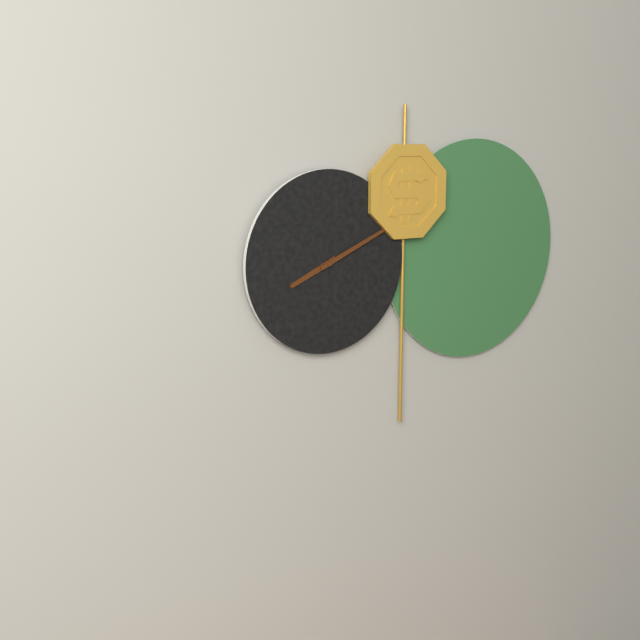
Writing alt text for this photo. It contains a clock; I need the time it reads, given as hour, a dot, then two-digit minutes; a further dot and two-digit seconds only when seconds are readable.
8.11
